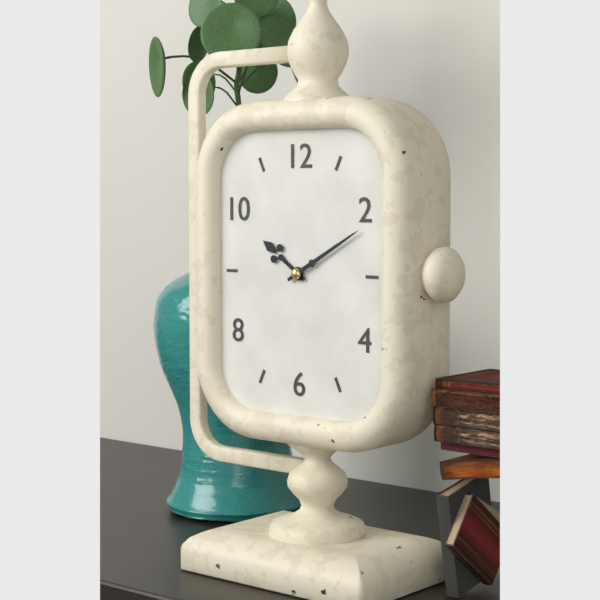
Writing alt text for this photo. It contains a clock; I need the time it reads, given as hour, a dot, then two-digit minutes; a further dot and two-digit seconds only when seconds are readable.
10.10
